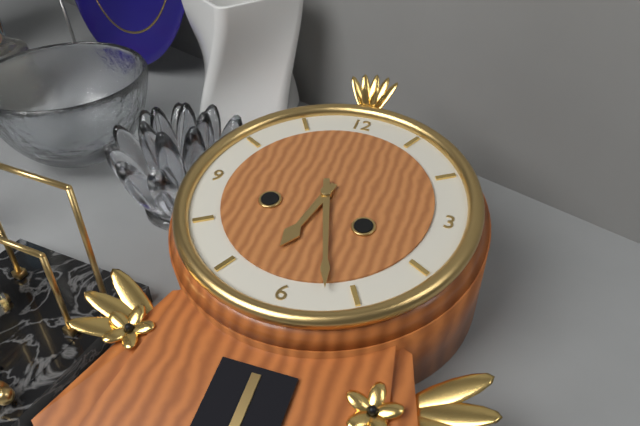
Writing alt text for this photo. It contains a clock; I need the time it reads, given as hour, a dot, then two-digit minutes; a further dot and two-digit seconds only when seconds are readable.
6.27
